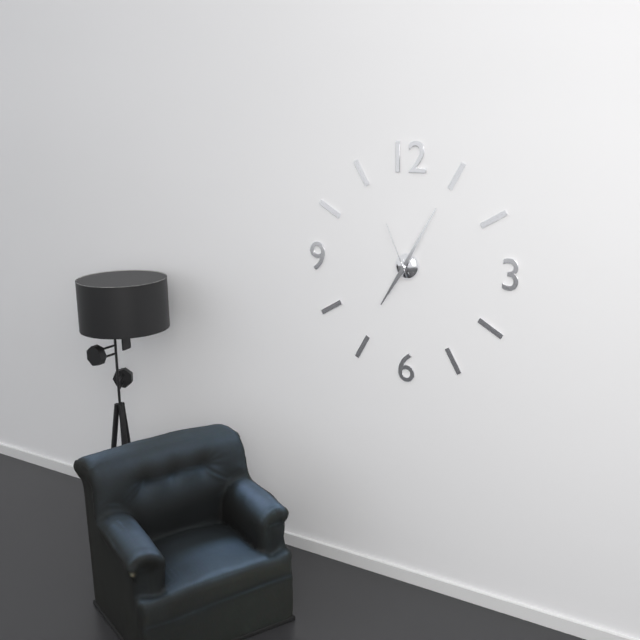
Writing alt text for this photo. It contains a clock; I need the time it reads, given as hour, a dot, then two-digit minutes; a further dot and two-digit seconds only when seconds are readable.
7.05.56
